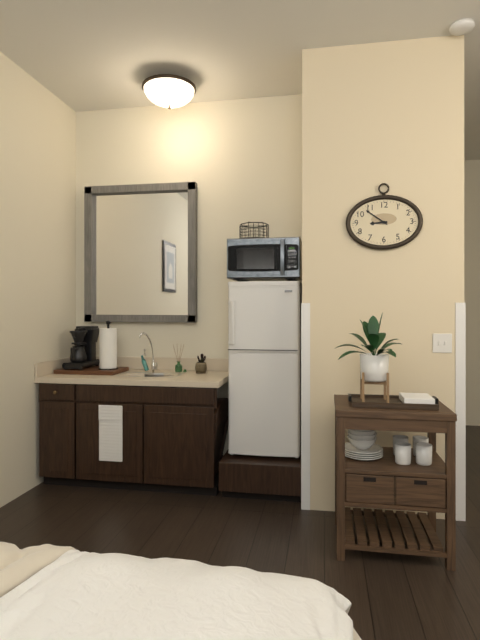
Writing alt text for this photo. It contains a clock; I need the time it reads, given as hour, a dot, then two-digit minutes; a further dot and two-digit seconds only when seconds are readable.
8.51
